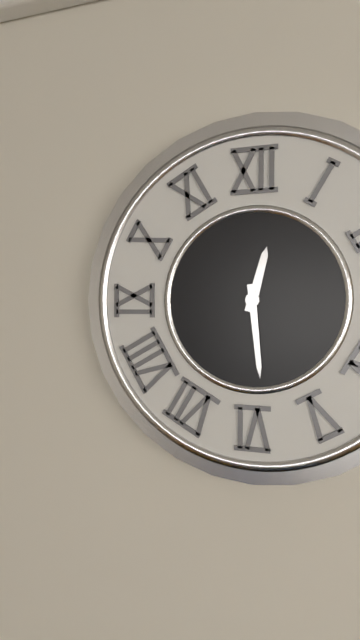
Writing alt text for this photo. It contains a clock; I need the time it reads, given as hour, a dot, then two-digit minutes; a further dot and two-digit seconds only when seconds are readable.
12.29
